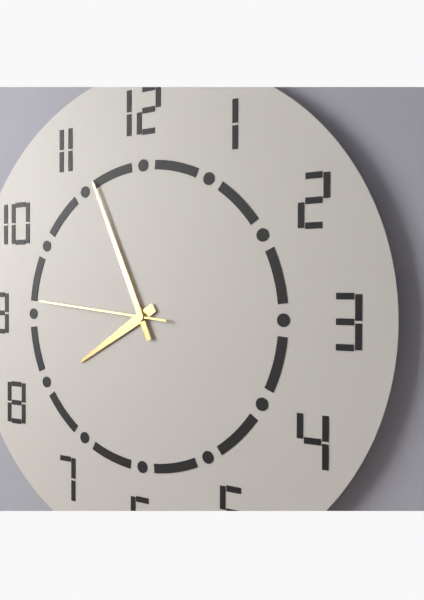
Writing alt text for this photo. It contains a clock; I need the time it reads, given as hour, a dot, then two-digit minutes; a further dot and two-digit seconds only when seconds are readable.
7.56.46
